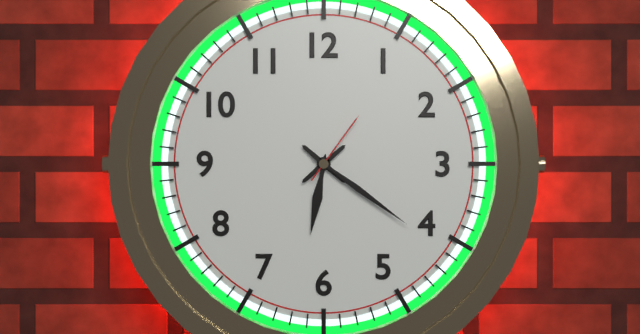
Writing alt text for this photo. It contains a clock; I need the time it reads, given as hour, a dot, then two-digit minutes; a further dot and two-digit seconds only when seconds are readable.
6.21.06
